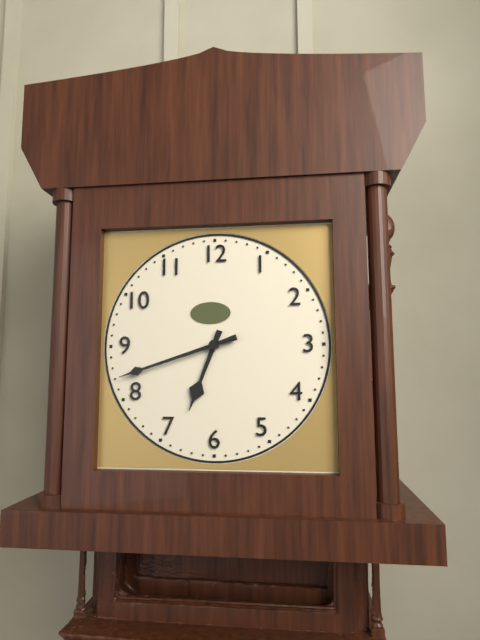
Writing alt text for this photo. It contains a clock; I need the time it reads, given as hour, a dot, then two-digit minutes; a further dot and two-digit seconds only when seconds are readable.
6.42
